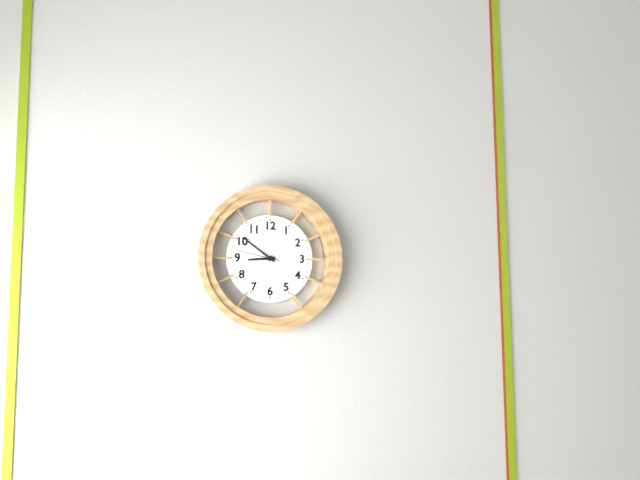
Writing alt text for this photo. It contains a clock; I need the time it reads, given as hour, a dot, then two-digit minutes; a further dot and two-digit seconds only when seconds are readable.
8.51
